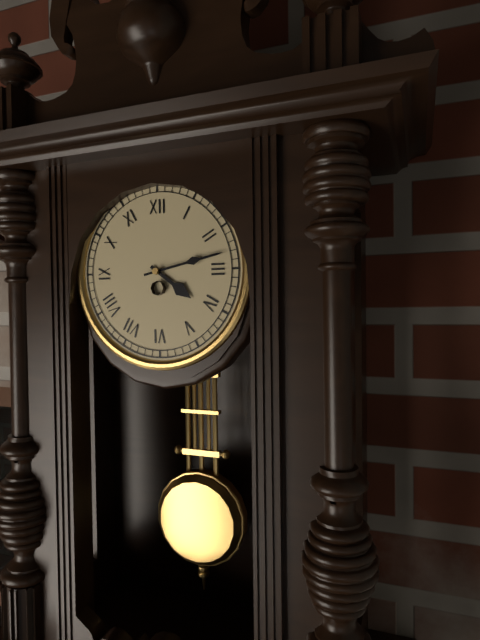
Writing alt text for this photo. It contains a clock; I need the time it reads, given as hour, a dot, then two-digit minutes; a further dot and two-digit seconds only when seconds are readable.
4.13
